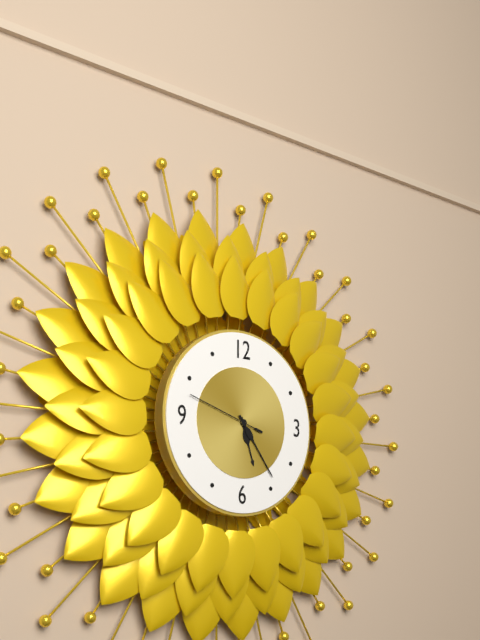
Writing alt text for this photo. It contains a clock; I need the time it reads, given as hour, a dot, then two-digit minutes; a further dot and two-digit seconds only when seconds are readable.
5.24.48
